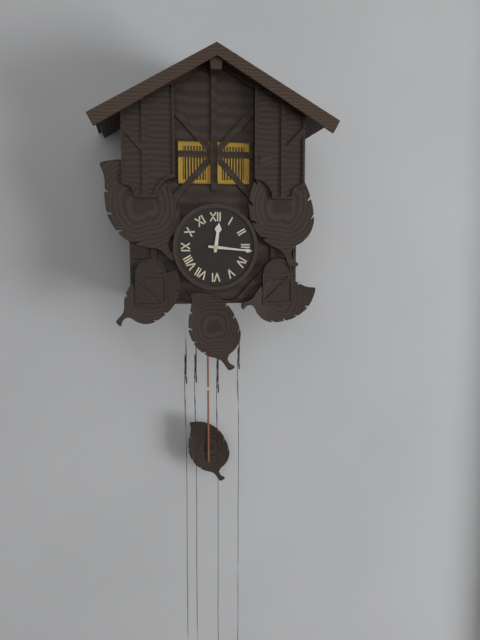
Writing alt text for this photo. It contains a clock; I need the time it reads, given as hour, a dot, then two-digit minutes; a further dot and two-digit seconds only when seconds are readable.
12.16
